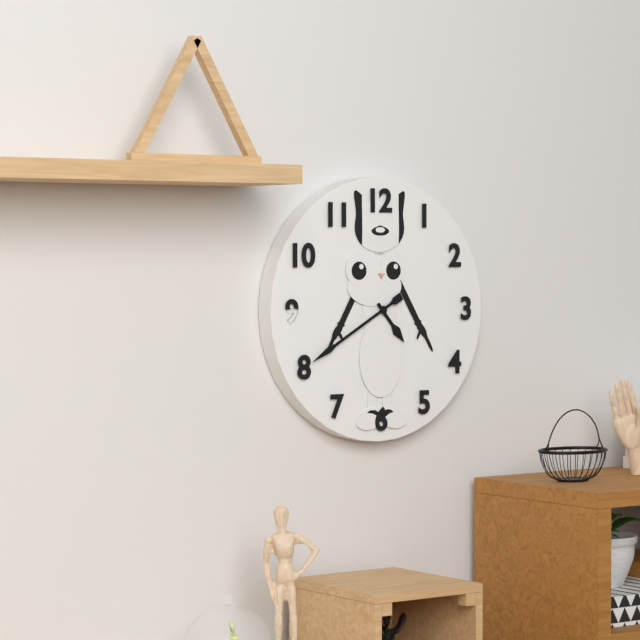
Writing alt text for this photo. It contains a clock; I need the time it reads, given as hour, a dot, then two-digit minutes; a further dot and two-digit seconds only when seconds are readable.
4.40
